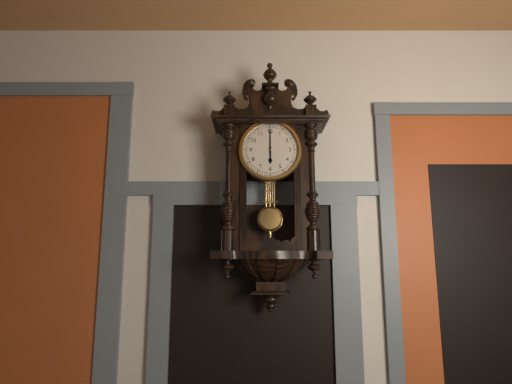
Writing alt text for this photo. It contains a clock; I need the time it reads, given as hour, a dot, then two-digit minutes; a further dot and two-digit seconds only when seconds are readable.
6.00
